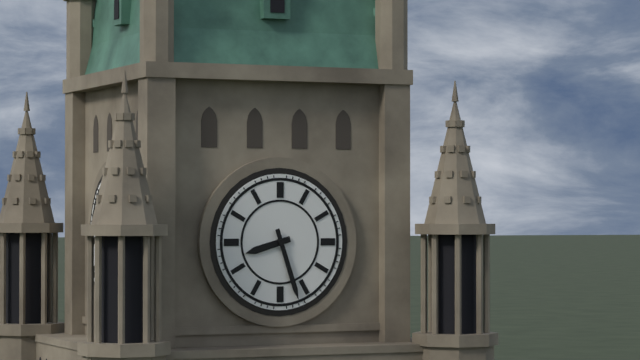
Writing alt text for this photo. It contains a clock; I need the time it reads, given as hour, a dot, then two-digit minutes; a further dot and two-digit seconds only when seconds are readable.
8.27
